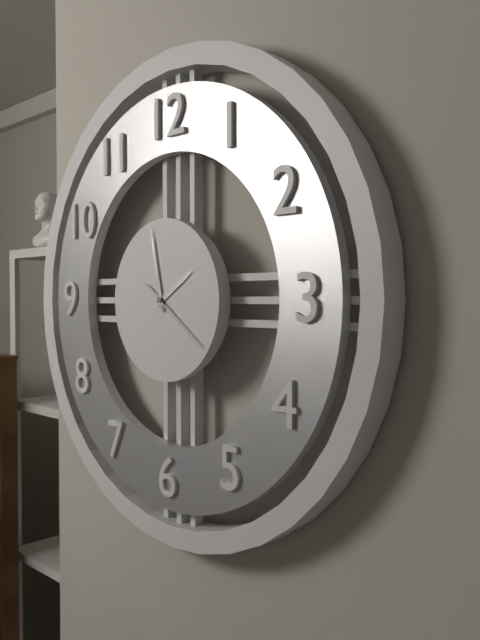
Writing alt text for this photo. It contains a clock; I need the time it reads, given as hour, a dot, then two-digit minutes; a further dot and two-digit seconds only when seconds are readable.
1.58.21
